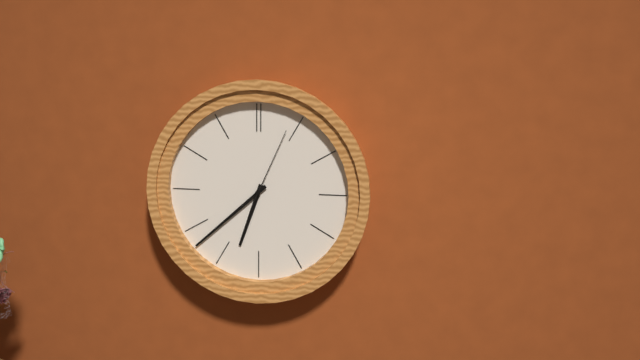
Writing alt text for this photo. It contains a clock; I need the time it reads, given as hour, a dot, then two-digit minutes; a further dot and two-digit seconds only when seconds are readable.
6.38.04
